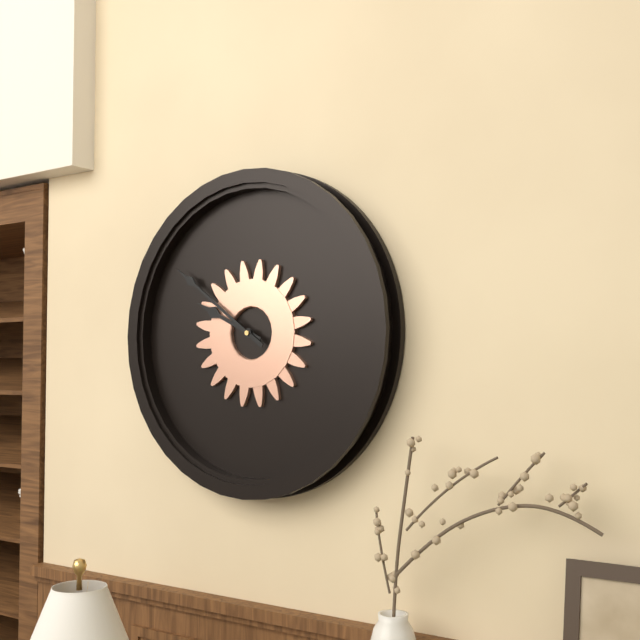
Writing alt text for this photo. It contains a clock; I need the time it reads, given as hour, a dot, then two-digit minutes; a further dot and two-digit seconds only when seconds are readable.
9.51
